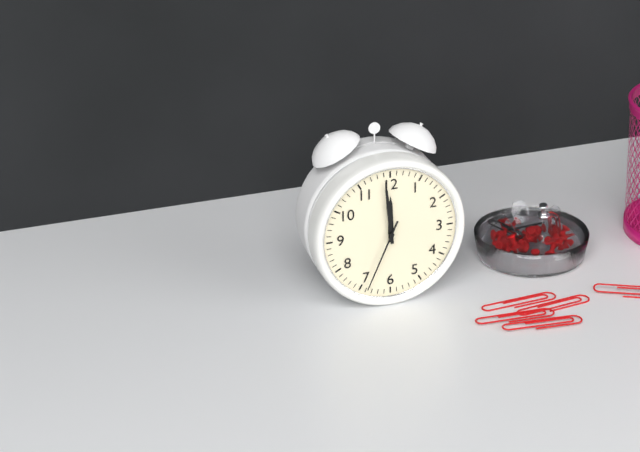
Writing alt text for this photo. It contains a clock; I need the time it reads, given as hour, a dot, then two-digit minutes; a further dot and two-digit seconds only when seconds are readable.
11.59.34
